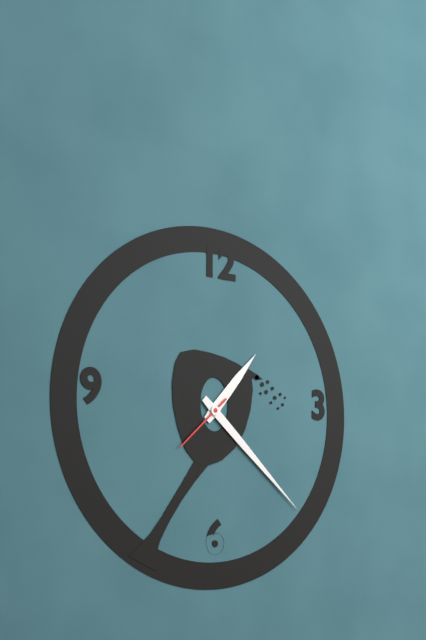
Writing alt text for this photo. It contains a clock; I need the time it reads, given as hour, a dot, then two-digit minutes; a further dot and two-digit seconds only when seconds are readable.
1.22.38
